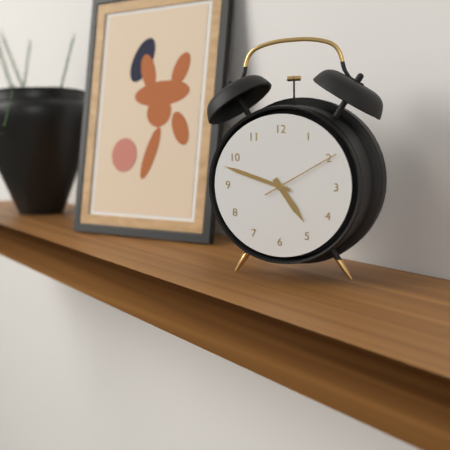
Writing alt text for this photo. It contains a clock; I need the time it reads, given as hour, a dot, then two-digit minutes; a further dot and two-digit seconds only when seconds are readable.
4.48.10
